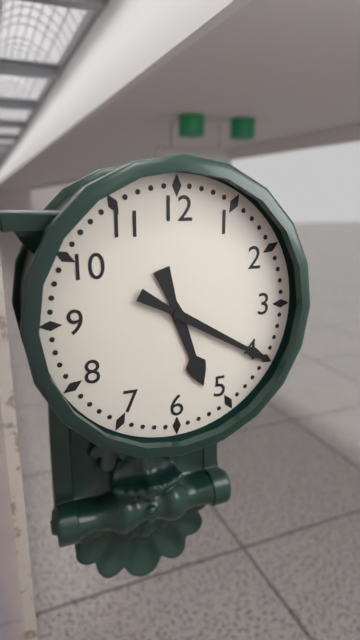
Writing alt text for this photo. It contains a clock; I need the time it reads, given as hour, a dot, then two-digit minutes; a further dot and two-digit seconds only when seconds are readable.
5.20
